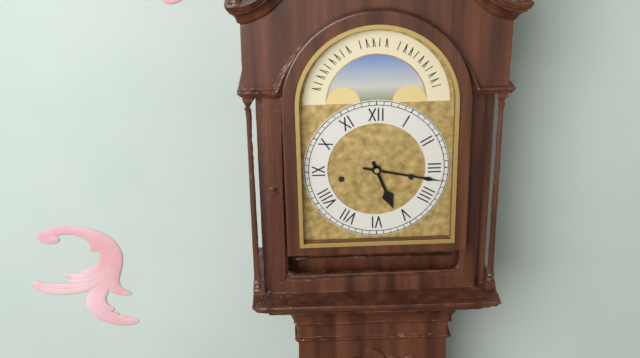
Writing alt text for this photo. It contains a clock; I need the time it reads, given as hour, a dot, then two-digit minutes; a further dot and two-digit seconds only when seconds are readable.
5.17
